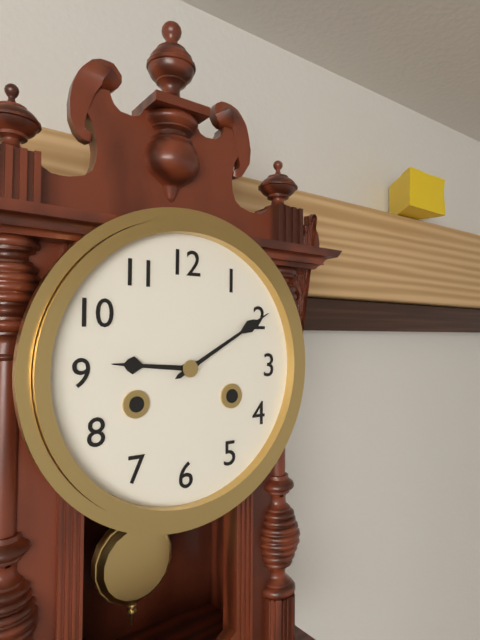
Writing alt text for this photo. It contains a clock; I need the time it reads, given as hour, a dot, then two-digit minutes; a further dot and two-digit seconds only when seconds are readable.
9.10
